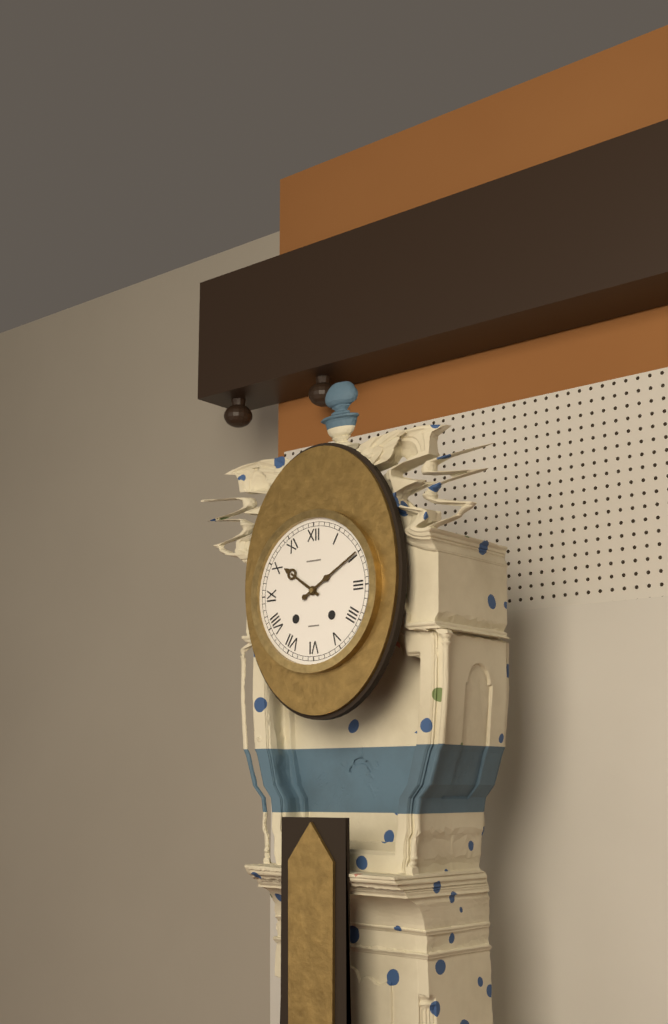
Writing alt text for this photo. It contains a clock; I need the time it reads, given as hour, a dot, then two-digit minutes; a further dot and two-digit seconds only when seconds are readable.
10.10
